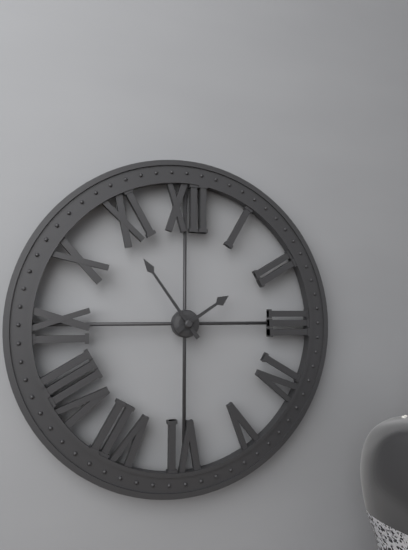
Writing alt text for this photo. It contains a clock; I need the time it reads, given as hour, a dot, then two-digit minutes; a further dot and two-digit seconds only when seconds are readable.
1.54
